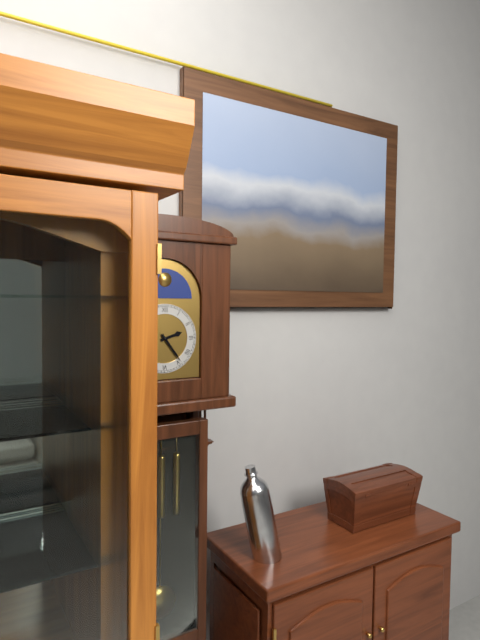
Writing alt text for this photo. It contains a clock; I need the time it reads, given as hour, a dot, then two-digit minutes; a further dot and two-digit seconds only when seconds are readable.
2.24
